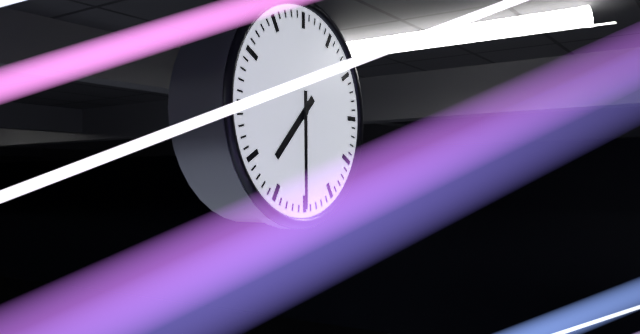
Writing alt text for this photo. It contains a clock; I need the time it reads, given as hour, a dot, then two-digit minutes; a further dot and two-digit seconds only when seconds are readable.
7.30
